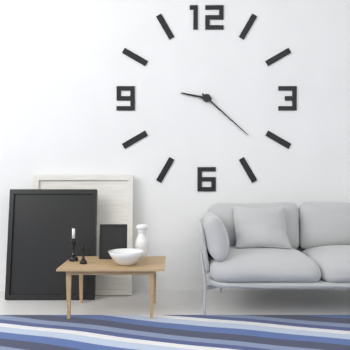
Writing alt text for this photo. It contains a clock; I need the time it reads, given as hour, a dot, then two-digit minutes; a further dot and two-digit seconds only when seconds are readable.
9.22
